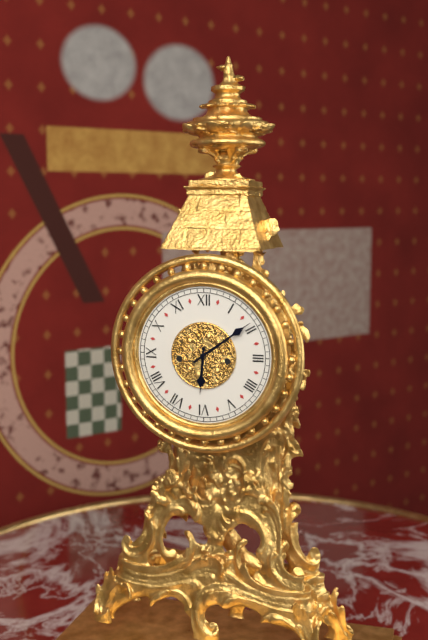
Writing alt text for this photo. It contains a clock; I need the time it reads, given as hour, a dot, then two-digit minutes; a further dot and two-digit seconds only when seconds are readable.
6.09
